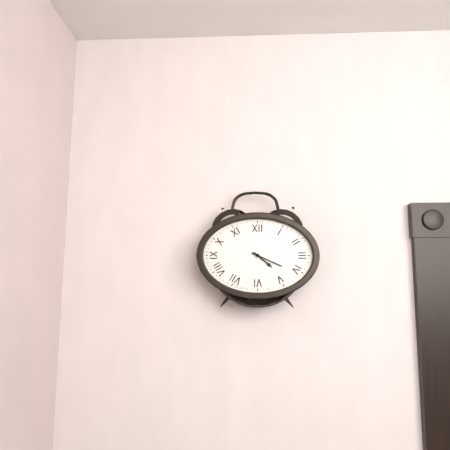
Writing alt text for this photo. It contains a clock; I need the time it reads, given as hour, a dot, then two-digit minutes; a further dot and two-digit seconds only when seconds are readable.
4.19
